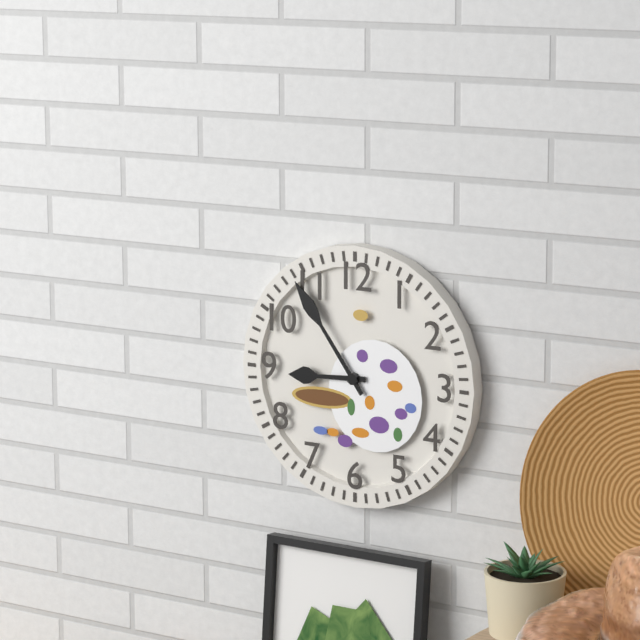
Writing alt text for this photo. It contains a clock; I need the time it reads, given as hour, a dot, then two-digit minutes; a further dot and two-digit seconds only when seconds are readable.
8.54
